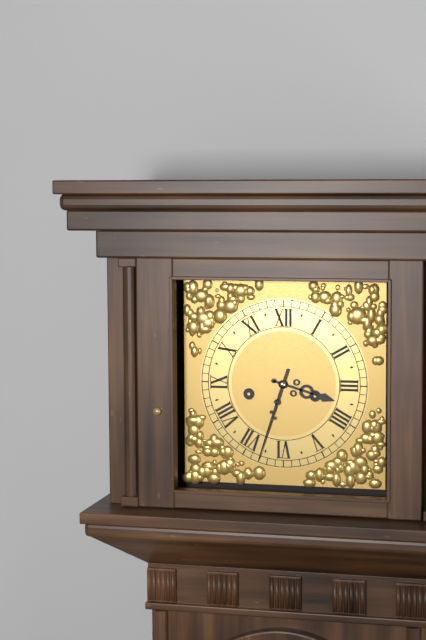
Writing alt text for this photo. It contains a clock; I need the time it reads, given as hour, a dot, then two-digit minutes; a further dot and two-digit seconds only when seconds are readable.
3.33
